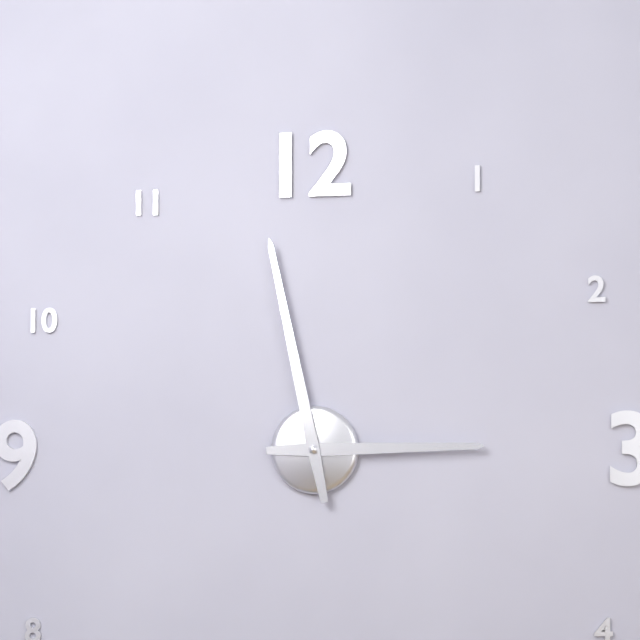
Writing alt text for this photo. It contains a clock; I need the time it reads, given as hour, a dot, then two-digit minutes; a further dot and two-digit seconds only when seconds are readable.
2.58
